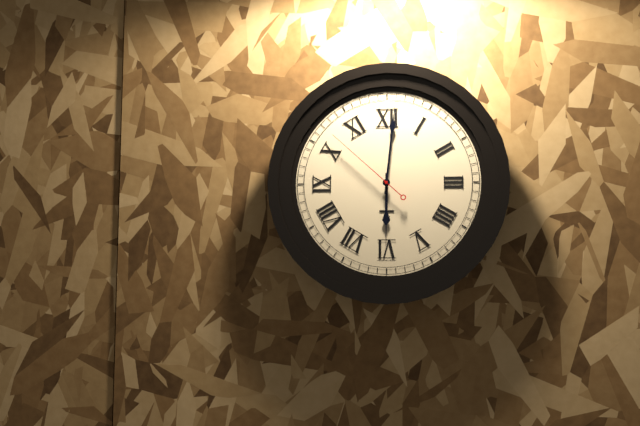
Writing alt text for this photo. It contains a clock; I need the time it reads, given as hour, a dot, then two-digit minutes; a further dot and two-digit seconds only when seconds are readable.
6.01.52
